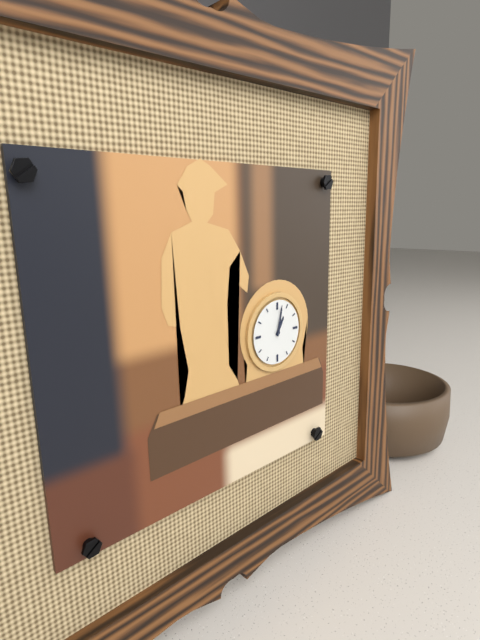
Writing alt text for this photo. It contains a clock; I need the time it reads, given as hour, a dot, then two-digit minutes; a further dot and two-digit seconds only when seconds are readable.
1.02
